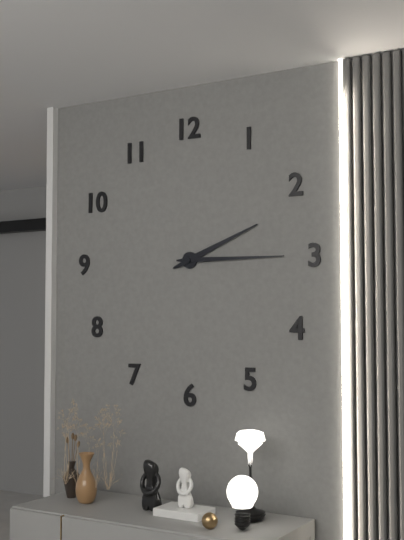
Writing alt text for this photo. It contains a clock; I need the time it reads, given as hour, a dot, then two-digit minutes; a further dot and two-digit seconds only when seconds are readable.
2.15
